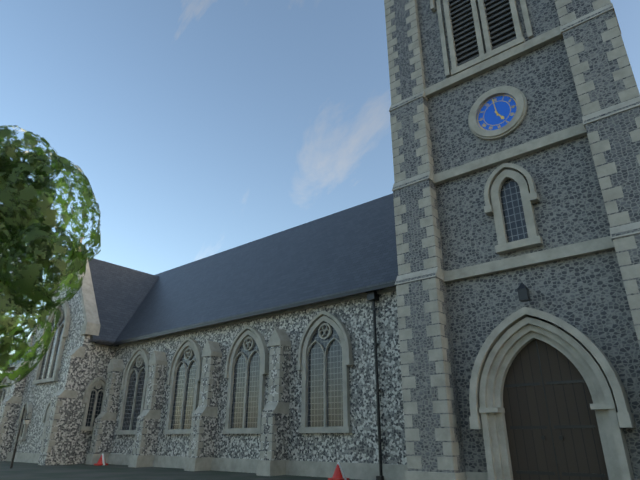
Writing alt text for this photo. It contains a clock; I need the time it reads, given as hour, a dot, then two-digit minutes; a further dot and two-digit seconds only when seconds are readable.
4.59
